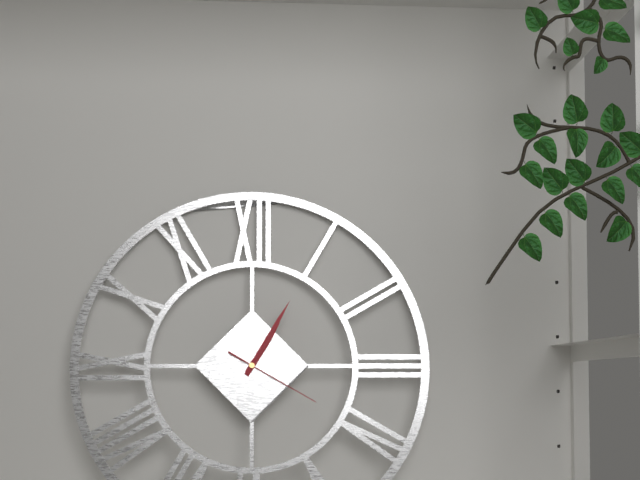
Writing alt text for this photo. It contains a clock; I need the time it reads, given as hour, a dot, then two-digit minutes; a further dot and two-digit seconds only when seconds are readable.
1.05.20
